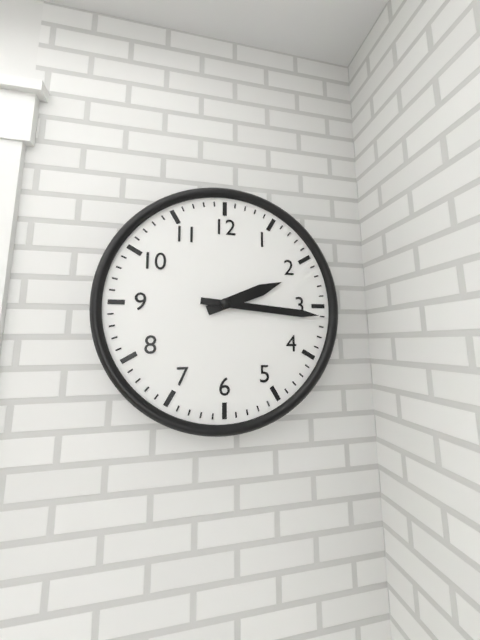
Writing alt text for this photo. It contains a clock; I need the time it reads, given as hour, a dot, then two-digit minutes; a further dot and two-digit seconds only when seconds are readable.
2.16
